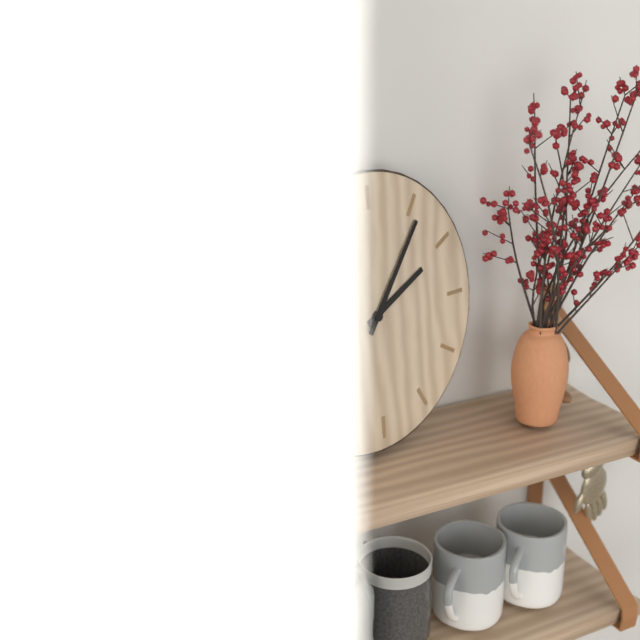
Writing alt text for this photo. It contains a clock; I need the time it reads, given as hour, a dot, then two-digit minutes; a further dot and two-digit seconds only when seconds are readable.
2.06
